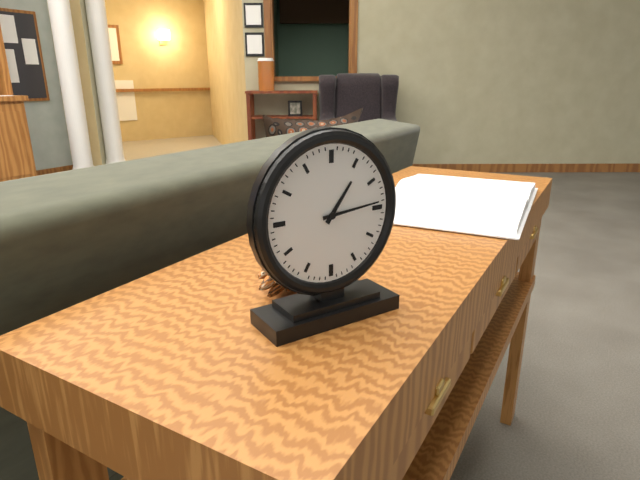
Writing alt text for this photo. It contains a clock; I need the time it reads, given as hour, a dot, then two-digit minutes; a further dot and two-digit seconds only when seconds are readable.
1.14
